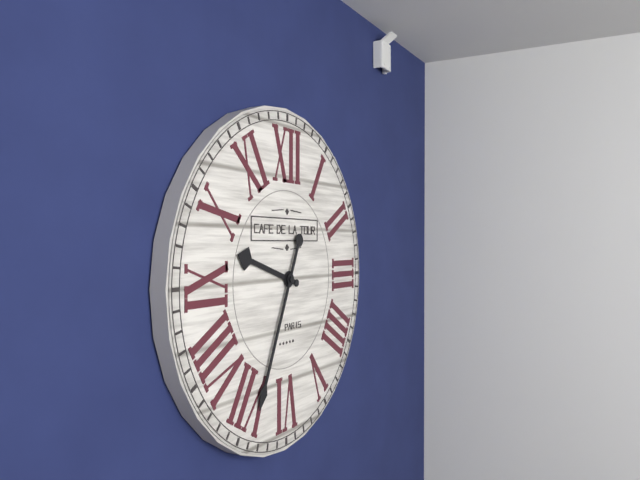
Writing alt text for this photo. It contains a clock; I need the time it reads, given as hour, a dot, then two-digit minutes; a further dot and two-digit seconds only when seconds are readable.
9.34
